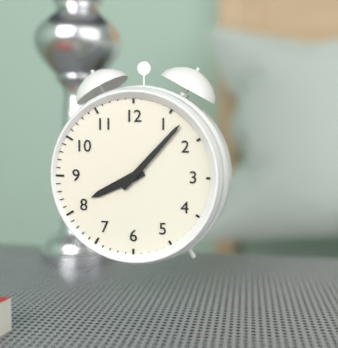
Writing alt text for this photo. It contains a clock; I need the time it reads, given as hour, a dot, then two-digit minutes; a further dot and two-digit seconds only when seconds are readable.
8.07
